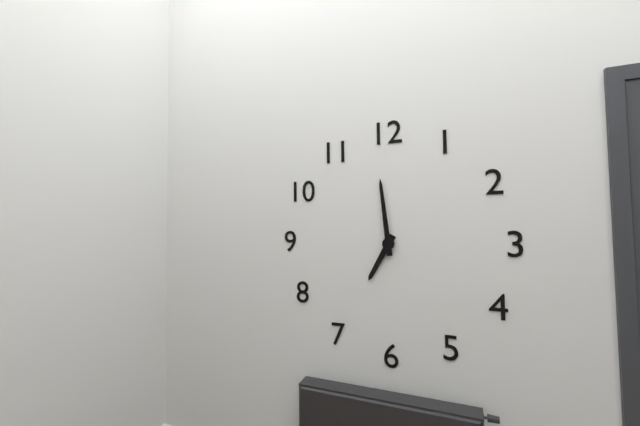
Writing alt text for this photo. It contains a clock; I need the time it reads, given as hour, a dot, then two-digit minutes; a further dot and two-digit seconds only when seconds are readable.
6.59
